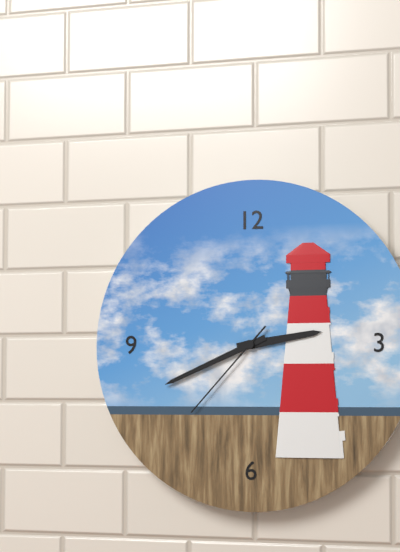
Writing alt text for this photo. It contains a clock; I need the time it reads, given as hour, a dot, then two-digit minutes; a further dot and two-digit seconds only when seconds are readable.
2.41.37
